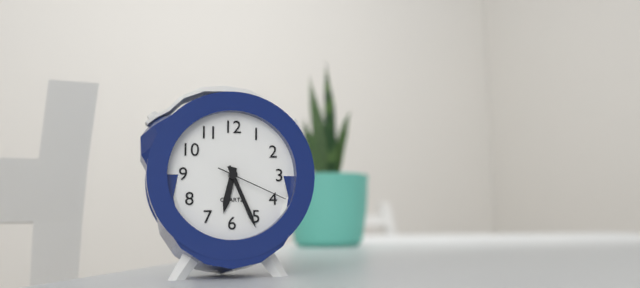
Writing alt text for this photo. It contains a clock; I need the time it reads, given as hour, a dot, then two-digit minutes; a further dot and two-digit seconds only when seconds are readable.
6.26.19
